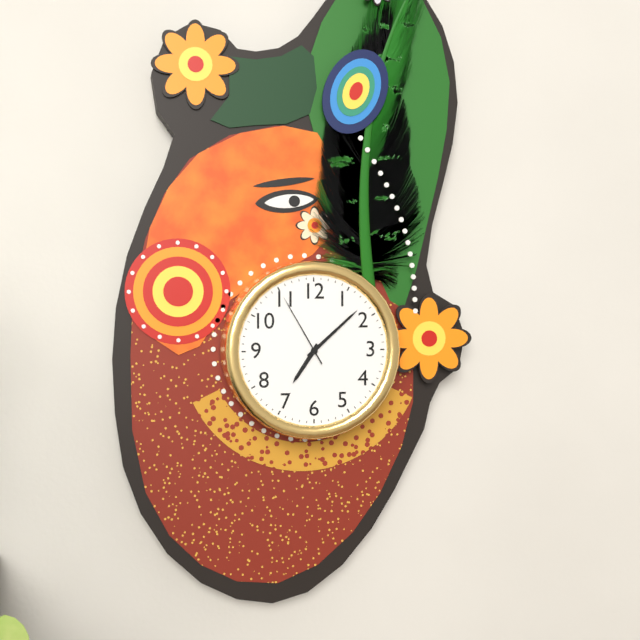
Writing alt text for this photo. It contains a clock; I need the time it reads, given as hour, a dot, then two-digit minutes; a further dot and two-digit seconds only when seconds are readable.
7.08.55
